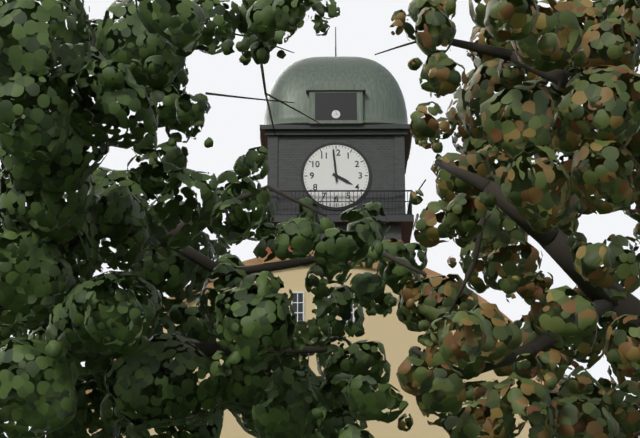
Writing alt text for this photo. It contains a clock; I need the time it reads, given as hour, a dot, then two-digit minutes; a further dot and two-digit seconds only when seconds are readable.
3.59
